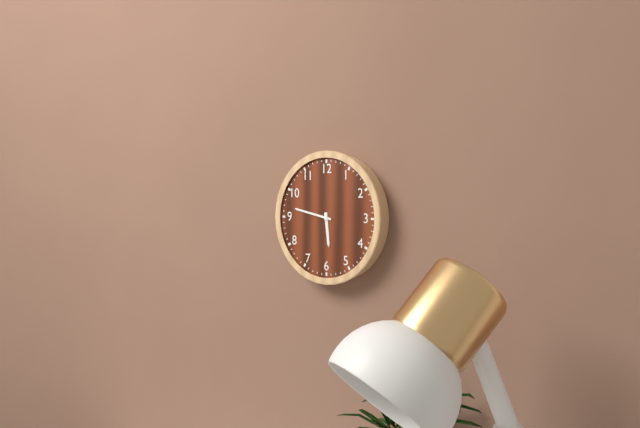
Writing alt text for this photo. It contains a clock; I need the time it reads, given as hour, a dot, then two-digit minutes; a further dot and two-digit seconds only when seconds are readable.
5.47
